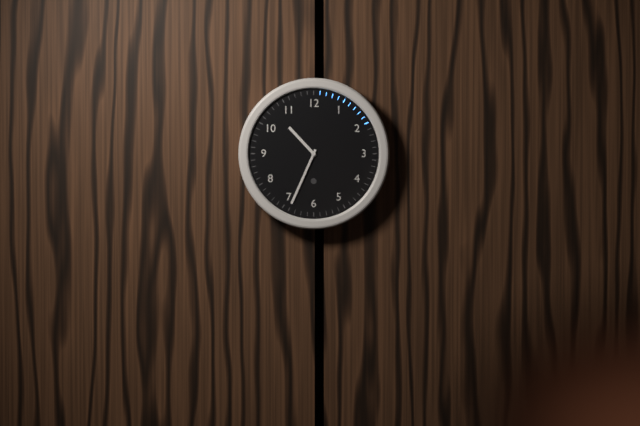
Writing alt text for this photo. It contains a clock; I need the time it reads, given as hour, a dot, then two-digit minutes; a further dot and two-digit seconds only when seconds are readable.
10.34
